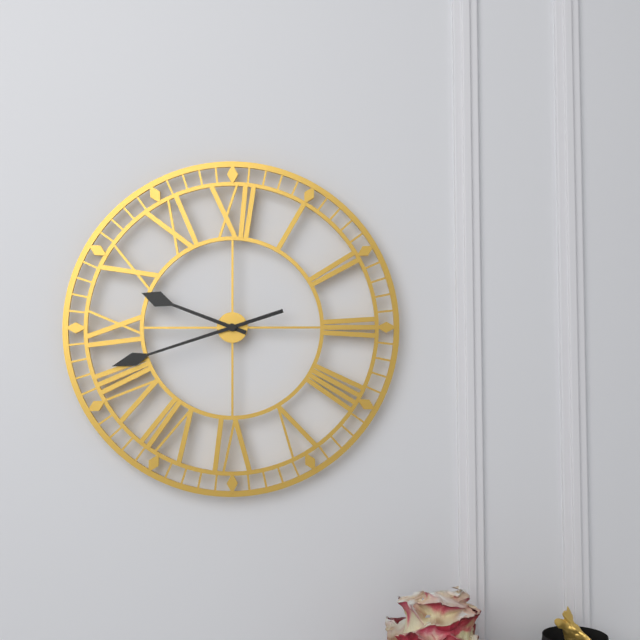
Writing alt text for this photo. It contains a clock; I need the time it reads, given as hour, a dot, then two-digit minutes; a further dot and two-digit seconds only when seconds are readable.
9.42
